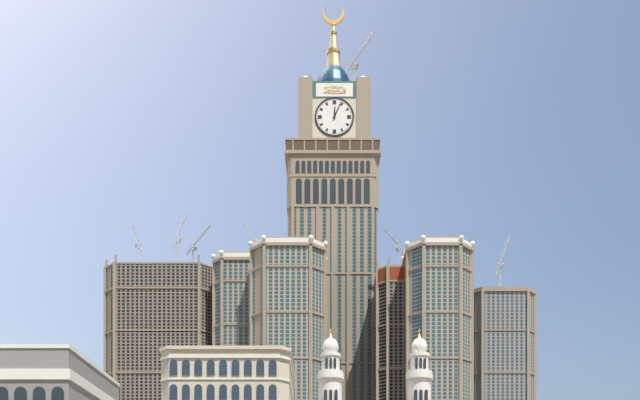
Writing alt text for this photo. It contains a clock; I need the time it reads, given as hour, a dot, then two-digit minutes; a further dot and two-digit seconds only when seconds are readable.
12.04
